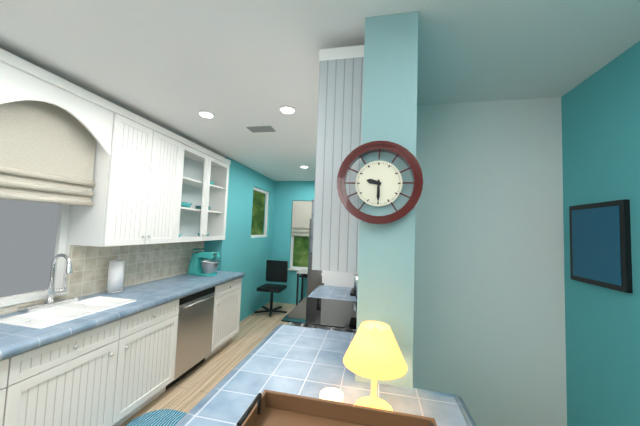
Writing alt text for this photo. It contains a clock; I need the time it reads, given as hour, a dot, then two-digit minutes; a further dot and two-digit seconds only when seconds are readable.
9.30
